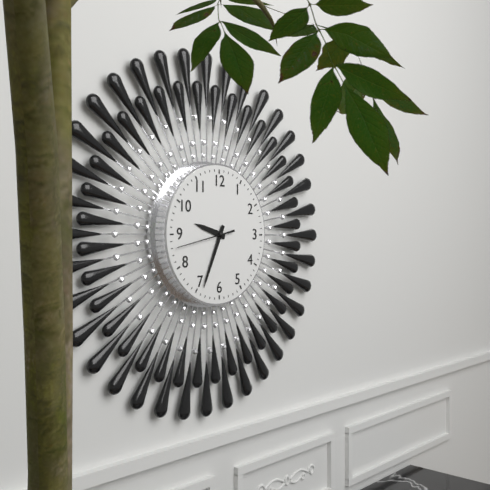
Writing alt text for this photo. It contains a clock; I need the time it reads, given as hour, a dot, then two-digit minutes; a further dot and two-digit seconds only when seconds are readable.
9.34.43
